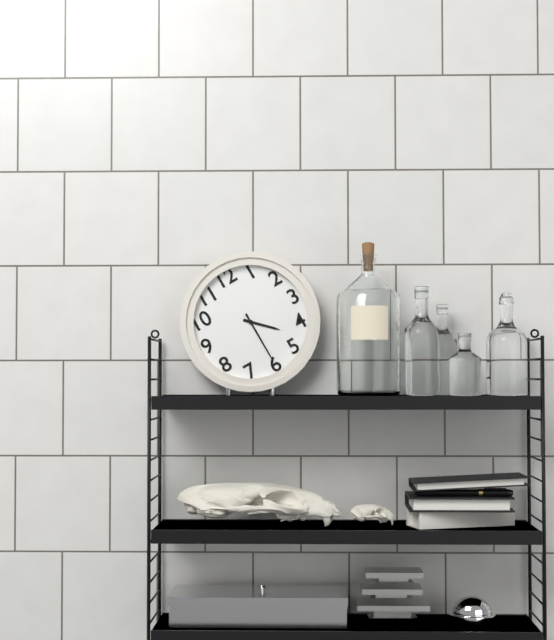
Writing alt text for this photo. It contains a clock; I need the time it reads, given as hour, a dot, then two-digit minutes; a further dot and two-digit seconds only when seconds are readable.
4.30
